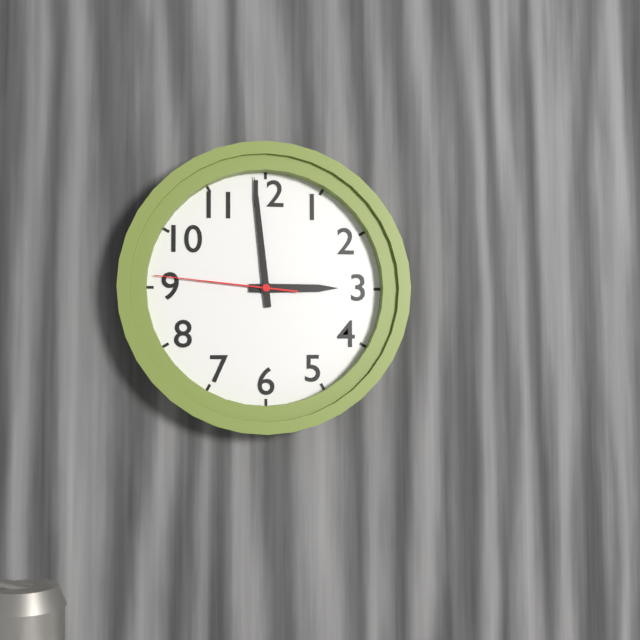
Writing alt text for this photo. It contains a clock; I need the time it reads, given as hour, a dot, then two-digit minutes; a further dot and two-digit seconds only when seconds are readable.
2.59.46
